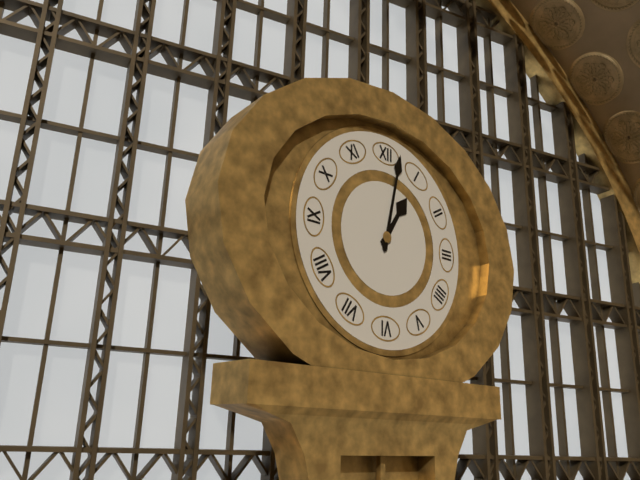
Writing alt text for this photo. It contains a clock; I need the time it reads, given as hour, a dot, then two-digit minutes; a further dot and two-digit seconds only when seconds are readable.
1.02
